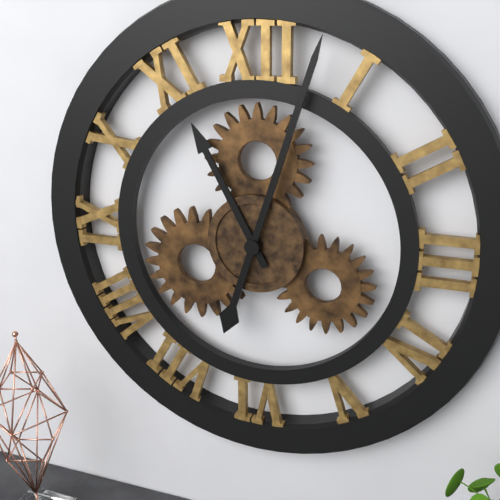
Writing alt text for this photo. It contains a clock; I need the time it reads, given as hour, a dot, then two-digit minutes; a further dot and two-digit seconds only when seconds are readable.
11.03
